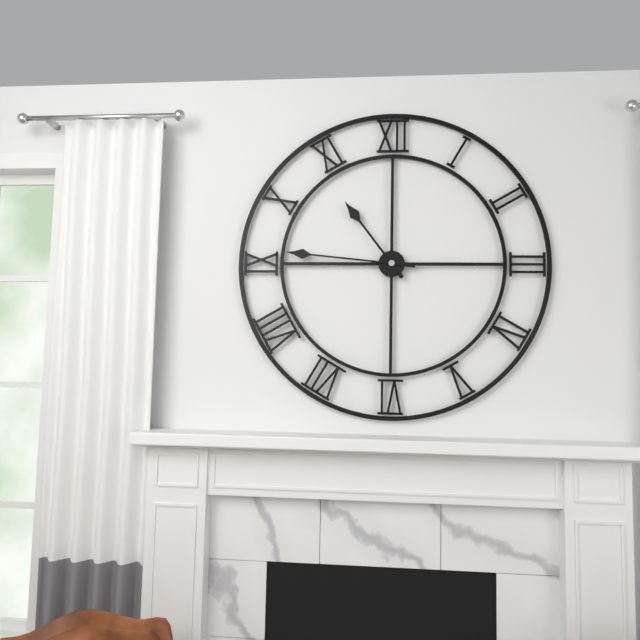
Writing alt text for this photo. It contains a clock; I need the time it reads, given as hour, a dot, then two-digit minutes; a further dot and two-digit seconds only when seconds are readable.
10.46
